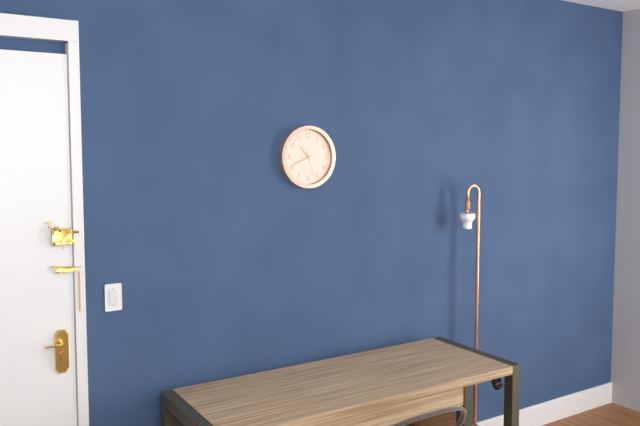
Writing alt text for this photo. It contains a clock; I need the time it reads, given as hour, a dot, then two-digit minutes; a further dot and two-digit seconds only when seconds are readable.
10.41
